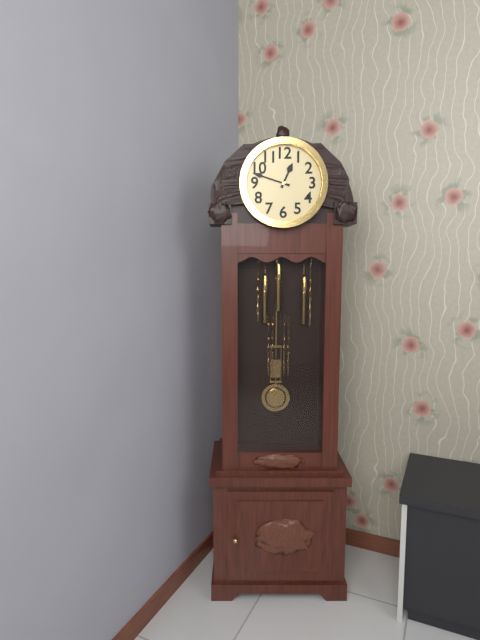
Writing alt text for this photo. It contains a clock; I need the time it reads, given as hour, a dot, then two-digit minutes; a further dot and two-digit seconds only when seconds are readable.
12.48
